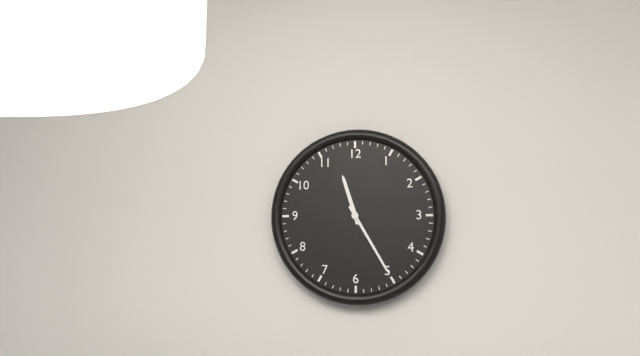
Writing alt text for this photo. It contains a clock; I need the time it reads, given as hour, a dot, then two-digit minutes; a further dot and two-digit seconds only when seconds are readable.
11.25
